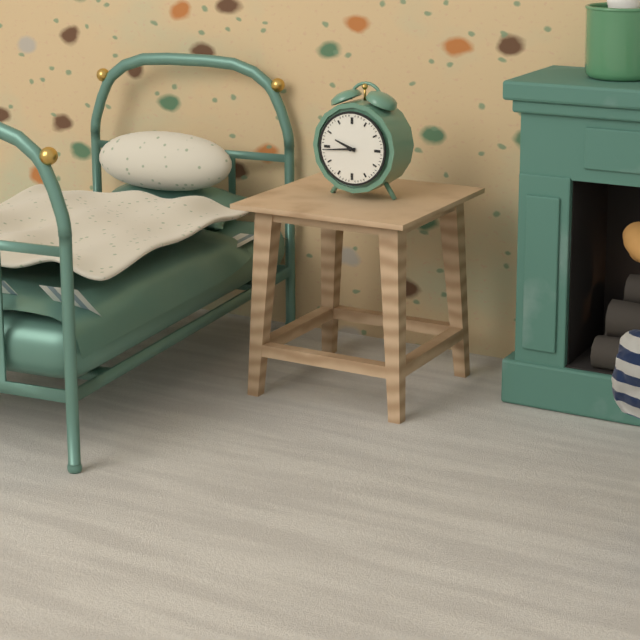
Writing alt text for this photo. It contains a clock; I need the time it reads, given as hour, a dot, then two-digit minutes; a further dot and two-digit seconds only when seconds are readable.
9.44
